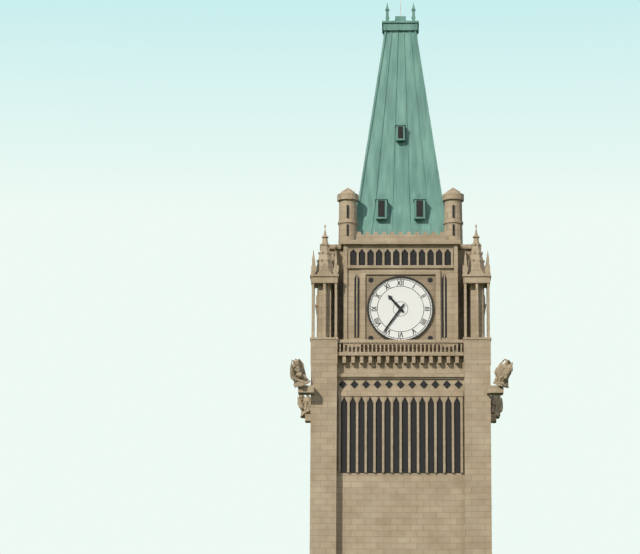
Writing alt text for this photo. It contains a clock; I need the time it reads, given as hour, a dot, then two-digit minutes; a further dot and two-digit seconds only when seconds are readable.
10.36
